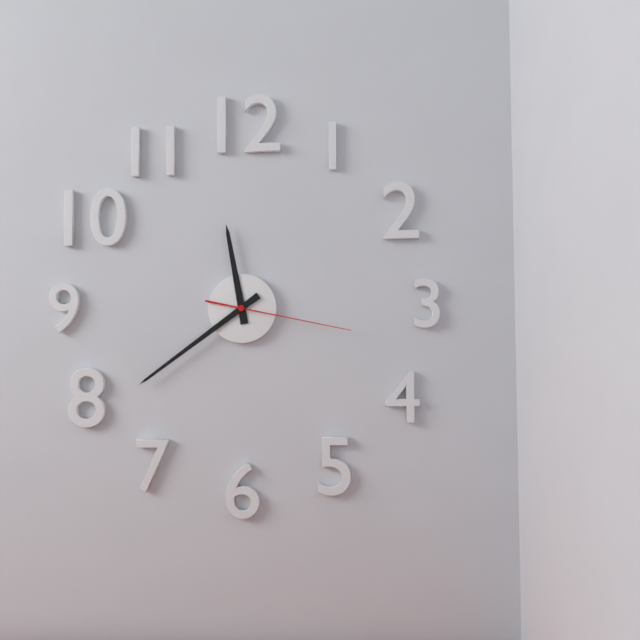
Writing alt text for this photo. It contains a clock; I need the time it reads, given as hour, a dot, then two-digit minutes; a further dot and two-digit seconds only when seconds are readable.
11.39.17
